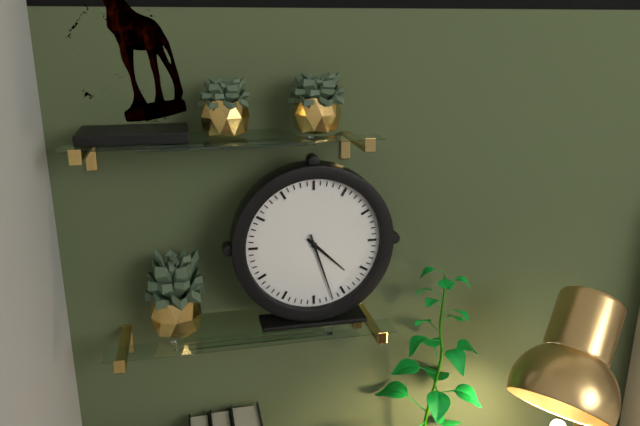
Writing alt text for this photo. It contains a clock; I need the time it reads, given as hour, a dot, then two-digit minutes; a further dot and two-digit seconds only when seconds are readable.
4.27
